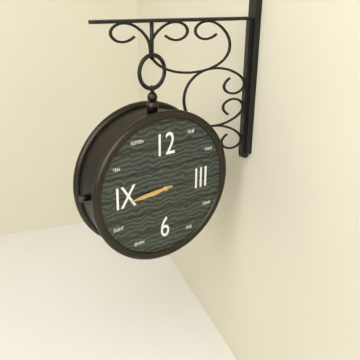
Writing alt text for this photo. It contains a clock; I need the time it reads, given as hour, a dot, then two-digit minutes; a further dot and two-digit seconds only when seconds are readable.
8.44
